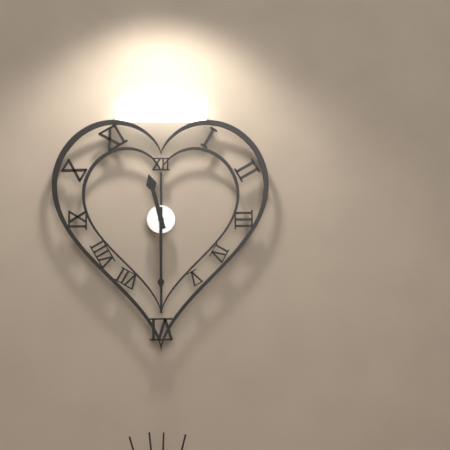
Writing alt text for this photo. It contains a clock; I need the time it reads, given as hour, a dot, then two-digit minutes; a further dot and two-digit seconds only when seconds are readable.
11.30
